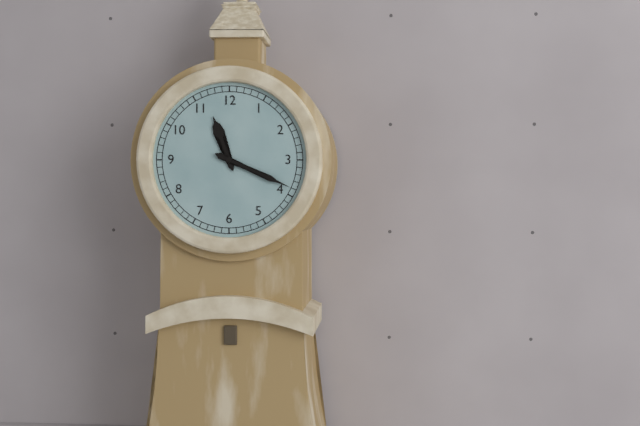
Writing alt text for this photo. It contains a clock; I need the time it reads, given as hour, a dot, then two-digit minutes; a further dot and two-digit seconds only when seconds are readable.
11.19
